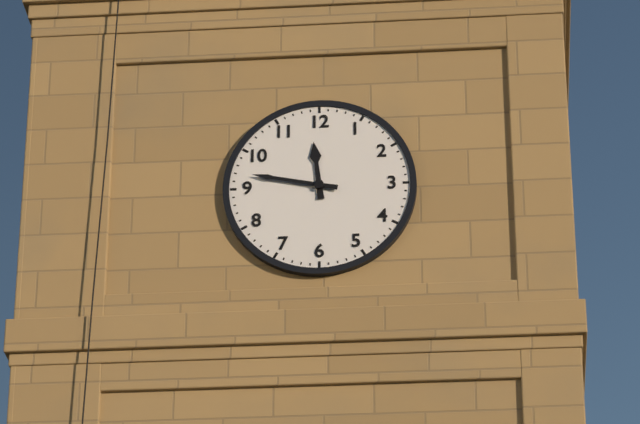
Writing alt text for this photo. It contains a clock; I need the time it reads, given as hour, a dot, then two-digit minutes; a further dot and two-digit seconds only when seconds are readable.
11.47
